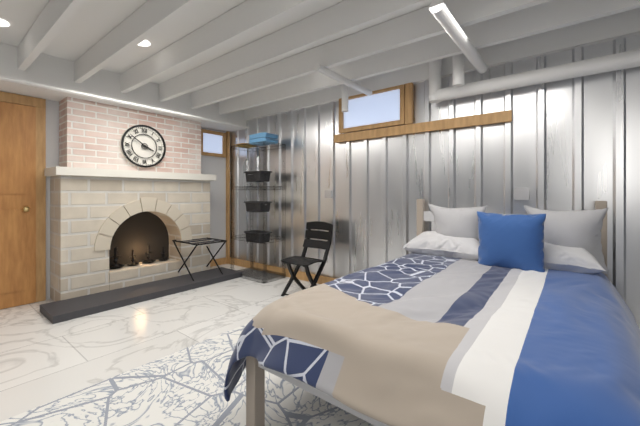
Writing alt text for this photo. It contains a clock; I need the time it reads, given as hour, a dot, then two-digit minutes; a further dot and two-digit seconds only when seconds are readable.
3.51
